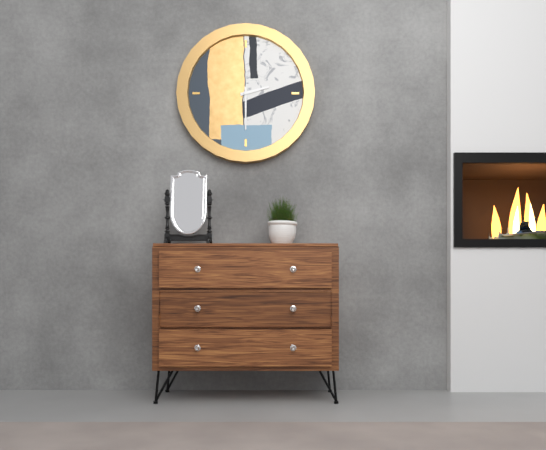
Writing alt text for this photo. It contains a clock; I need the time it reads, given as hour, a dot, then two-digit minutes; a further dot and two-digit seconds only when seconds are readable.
2.30
